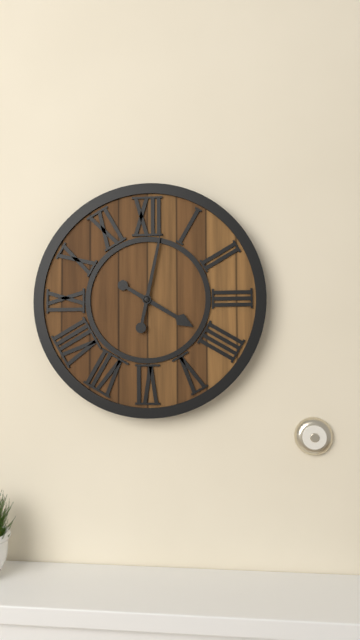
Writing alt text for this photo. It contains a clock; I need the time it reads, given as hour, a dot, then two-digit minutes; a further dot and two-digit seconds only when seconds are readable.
4.02
